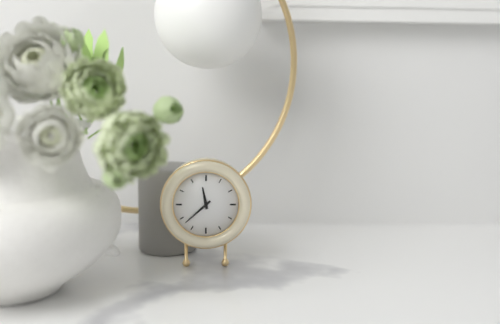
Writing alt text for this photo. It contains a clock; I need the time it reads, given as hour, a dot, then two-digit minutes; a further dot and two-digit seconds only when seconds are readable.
11.38
